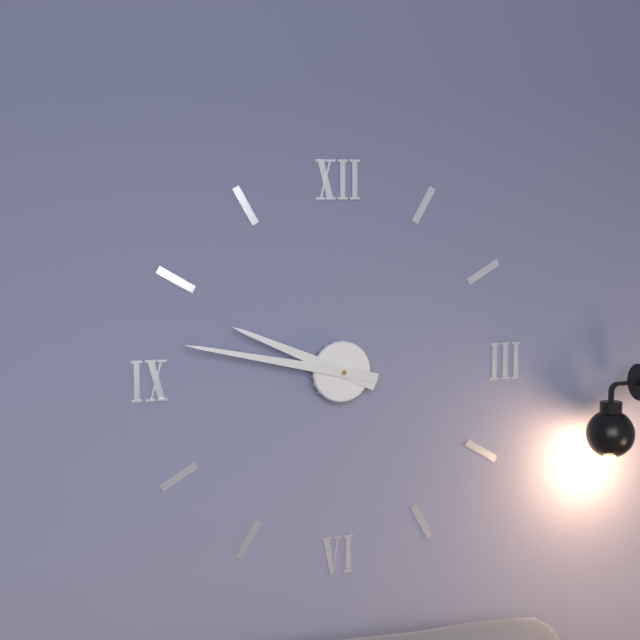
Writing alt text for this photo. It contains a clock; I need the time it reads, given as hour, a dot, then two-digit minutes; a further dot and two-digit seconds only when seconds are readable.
9.47
